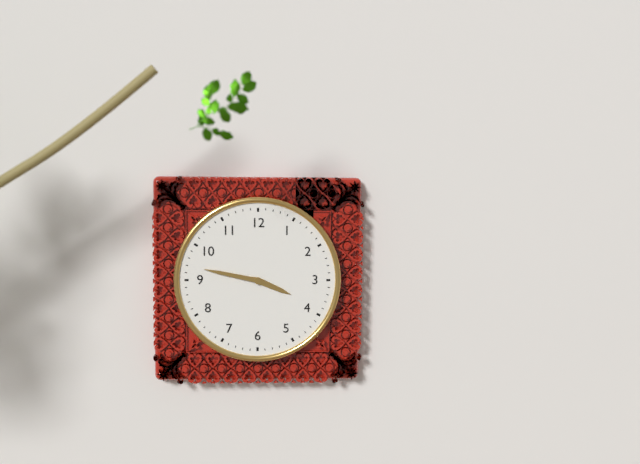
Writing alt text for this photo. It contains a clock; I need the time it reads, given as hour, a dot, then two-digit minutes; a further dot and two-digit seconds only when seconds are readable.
3.47
